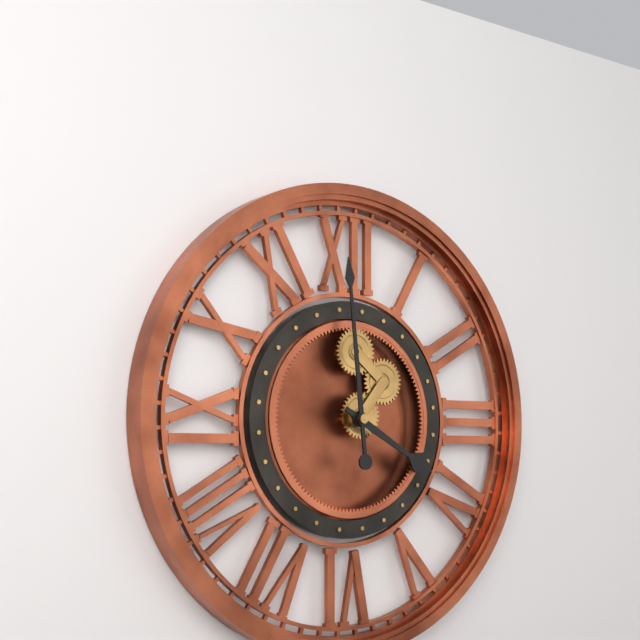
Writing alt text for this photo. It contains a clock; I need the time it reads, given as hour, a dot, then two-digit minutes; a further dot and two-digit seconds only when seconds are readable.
3.59
